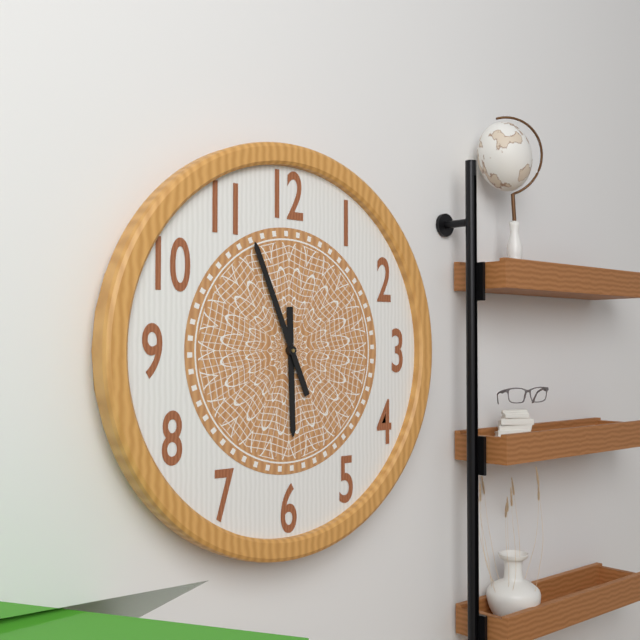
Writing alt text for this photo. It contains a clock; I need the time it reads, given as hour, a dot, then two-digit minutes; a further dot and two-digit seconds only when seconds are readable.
5.56
